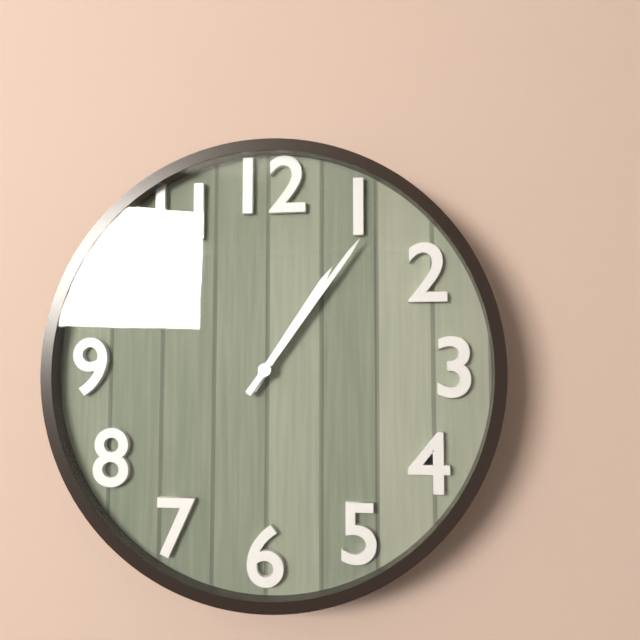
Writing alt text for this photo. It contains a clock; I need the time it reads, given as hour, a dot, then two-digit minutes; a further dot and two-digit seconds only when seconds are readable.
1.06
